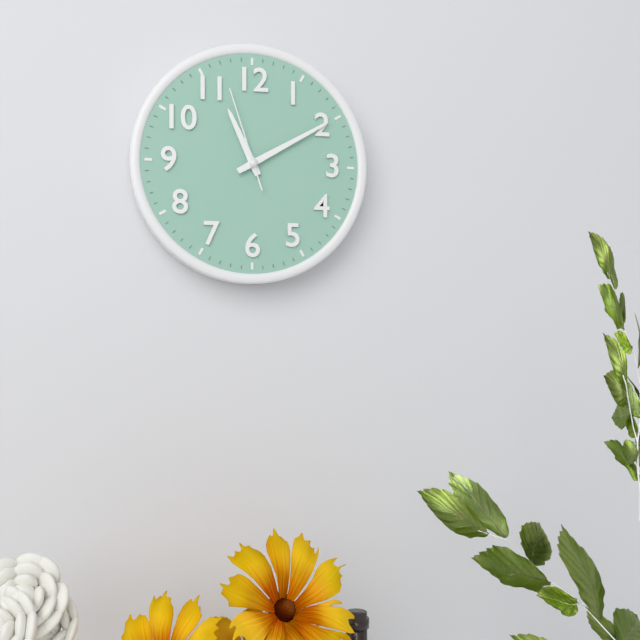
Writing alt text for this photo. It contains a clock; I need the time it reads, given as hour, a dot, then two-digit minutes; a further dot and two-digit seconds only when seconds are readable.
11.10.57
